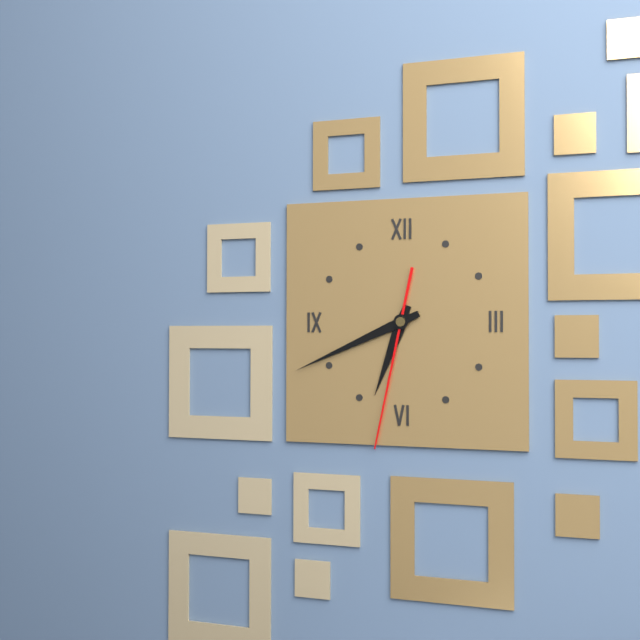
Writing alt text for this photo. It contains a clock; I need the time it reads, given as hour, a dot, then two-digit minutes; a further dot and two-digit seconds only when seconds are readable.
6.41.32
